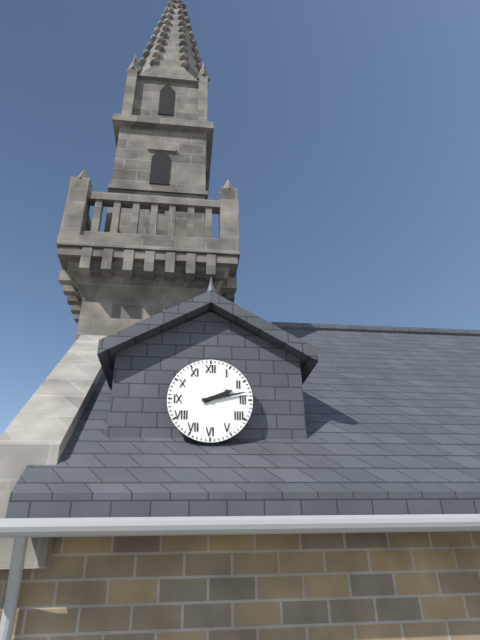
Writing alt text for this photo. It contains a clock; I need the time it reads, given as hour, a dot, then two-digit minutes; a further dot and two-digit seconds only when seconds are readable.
2.13
